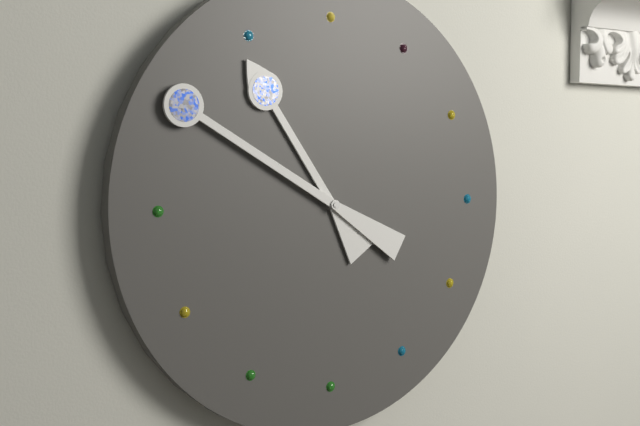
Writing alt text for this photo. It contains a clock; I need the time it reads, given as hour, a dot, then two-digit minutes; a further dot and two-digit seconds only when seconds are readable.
10.50
